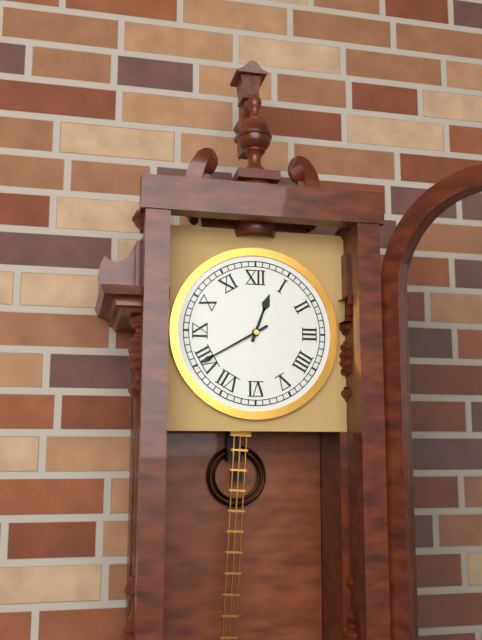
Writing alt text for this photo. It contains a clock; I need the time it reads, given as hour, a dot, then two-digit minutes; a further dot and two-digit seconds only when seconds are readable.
12.40
